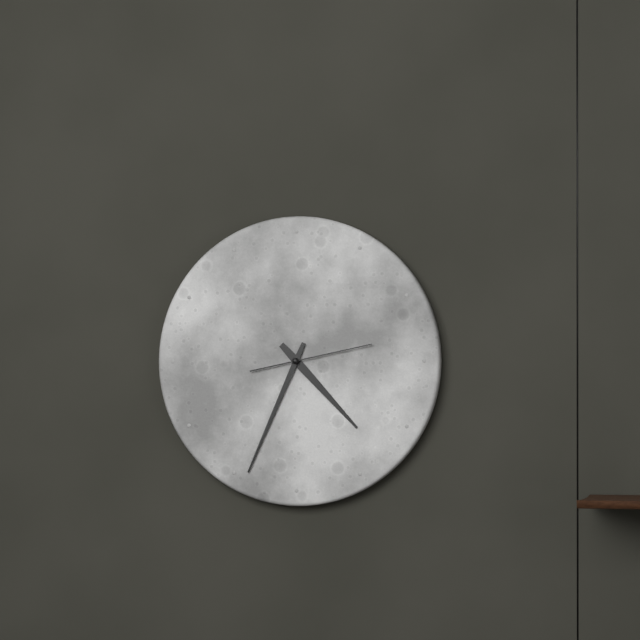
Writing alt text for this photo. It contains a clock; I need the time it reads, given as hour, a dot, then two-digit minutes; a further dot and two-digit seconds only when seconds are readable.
4.34.13
